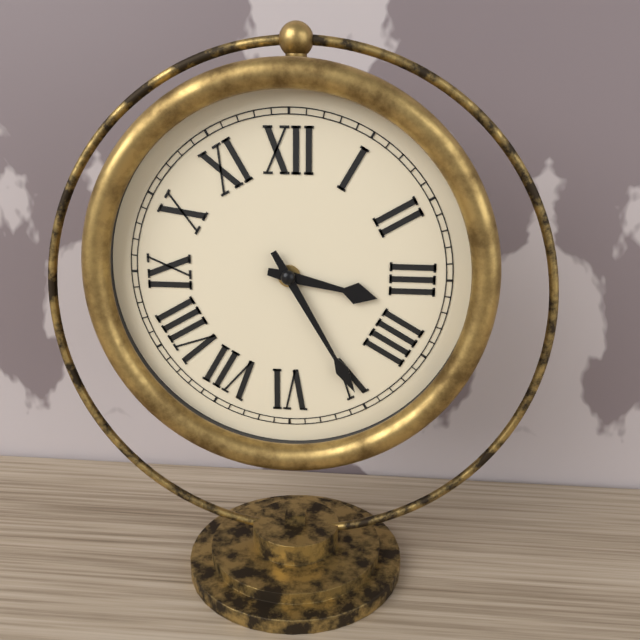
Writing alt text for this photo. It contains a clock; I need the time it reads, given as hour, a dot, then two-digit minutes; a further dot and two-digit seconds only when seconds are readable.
3.25
